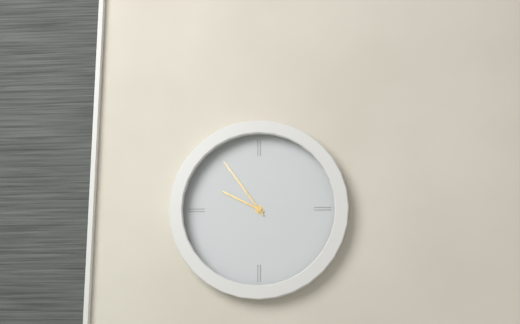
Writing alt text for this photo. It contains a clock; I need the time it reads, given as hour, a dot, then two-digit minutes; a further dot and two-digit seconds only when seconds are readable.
9.54
